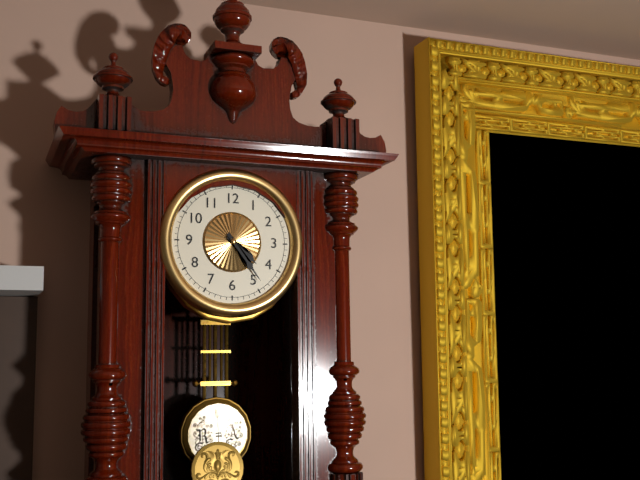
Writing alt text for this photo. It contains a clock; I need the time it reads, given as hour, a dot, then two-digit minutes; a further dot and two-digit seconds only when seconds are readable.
4.24
